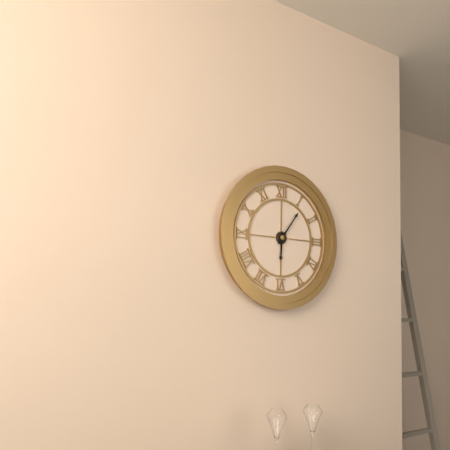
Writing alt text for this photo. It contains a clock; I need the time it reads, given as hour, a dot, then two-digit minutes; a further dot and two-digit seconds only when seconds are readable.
6.06
